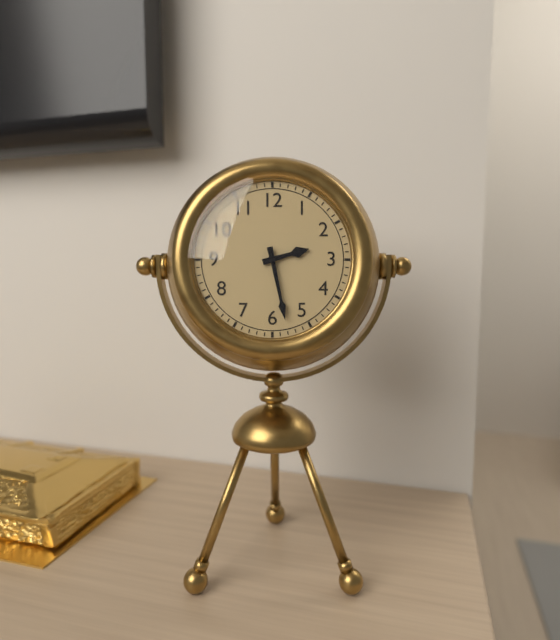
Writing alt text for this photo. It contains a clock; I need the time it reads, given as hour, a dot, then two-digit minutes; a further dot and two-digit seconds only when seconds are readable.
2.28
